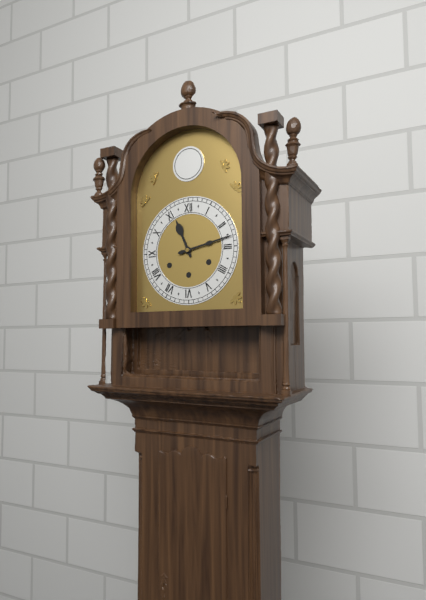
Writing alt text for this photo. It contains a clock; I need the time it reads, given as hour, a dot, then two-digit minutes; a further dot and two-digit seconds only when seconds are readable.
11.13
